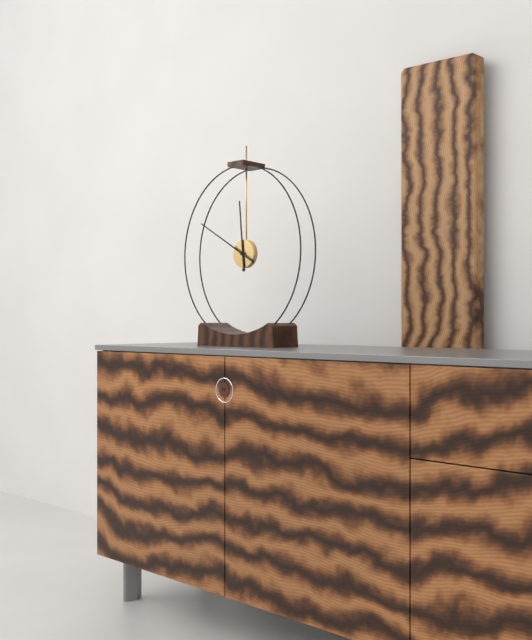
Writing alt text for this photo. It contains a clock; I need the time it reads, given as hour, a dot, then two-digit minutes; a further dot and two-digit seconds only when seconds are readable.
11.50
